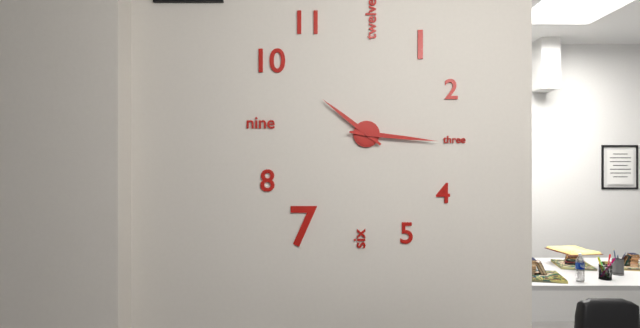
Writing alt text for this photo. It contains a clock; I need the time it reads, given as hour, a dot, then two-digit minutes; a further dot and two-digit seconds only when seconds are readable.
10.16
